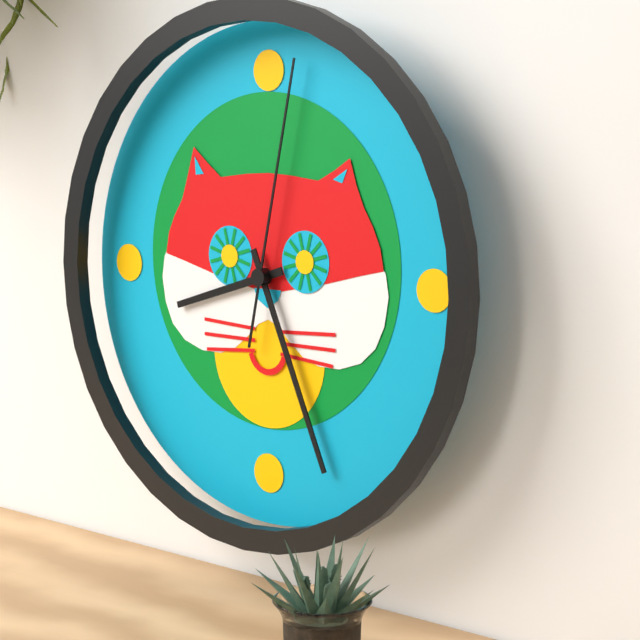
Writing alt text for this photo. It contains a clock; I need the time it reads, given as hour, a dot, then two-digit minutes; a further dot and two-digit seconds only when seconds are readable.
8.26.02
